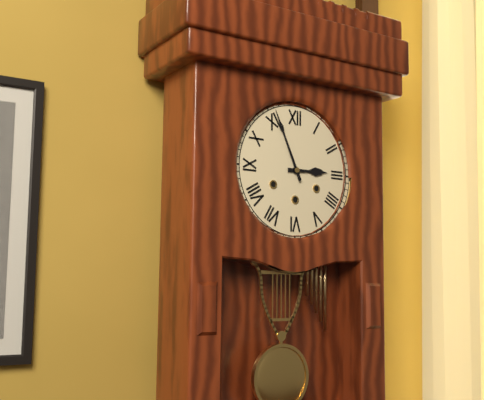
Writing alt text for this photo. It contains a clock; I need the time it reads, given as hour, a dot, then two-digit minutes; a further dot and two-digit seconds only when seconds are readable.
2.56
